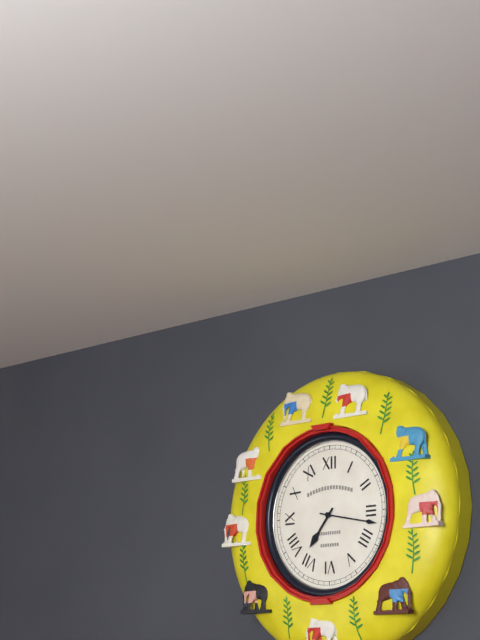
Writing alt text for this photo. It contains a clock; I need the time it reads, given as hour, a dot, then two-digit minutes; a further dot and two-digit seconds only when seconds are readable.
7.17
